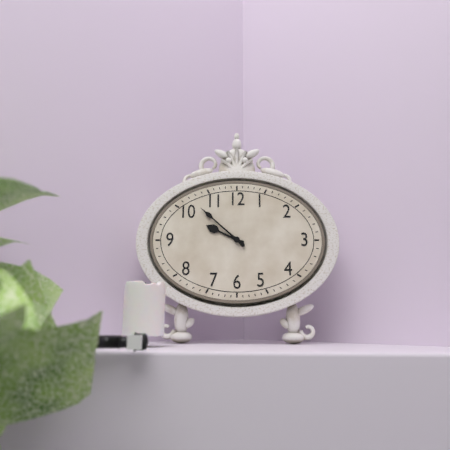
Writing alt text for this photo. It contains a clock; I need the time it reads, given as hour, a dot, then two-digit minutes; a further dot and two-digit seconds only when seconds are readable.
9.52
